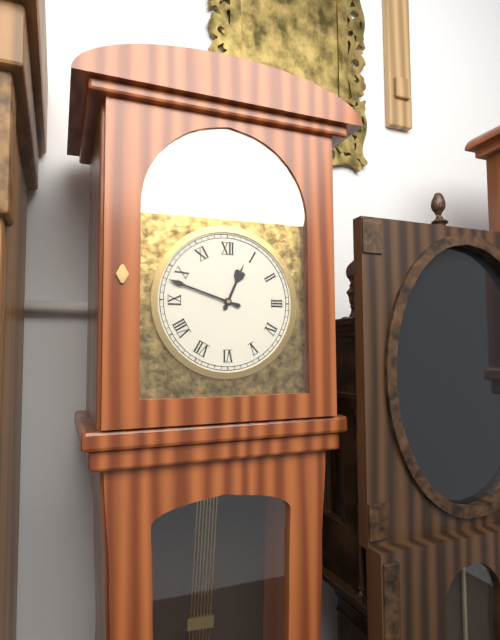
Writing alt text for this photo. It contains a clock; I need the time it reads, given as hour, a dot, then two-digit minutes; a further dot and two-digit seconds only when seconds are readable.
12.48
